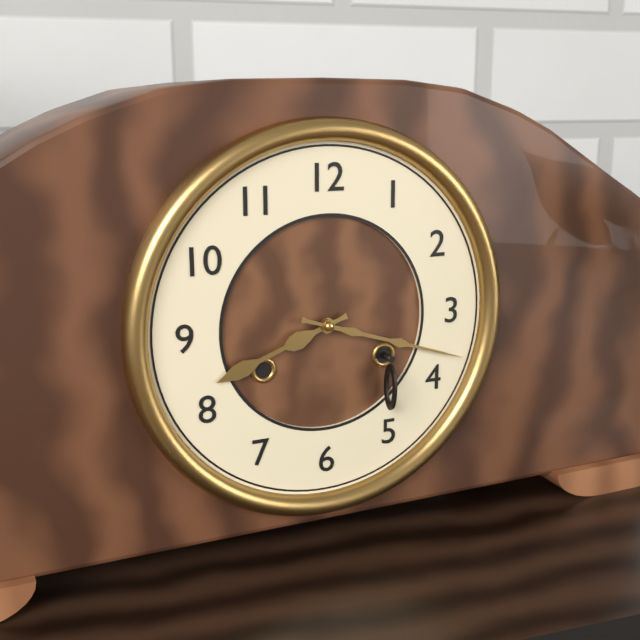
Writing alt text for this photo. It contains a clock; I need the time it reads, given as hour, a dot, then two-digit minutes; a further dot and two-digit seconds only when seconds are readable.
8.18
